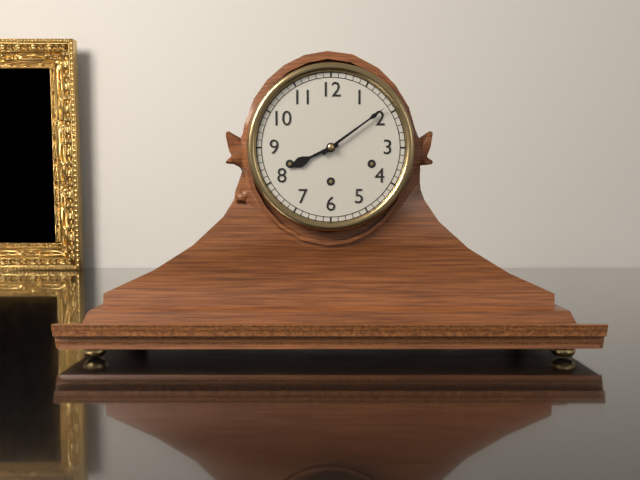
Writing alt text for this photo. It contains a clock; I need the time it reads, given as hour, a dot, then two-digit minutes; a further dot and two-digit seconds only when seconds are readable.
8.09
